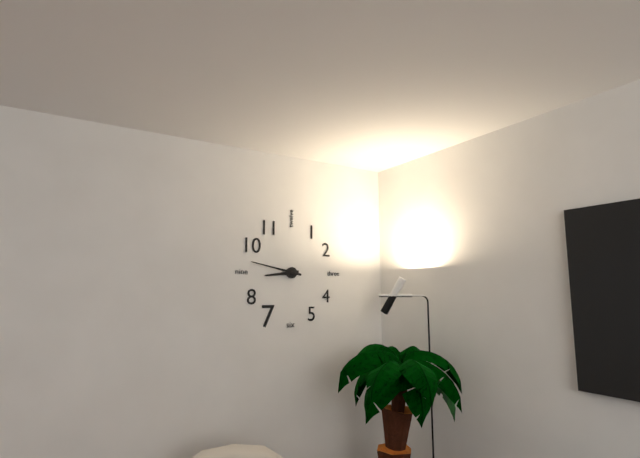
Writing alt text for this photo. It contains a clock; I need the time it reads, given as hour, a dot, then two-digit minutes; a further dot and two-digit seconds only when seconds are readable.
8.47
